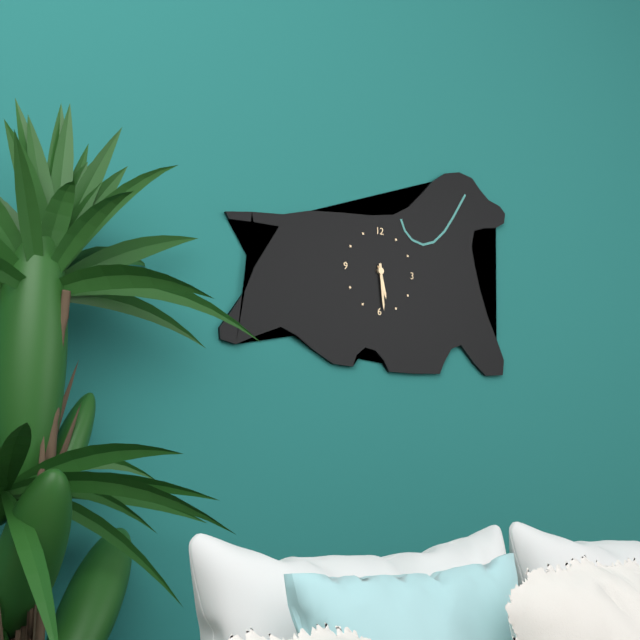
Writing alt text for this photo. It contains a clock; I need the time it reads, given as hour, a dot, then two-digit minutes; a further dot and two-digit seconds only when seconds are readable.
5.29
